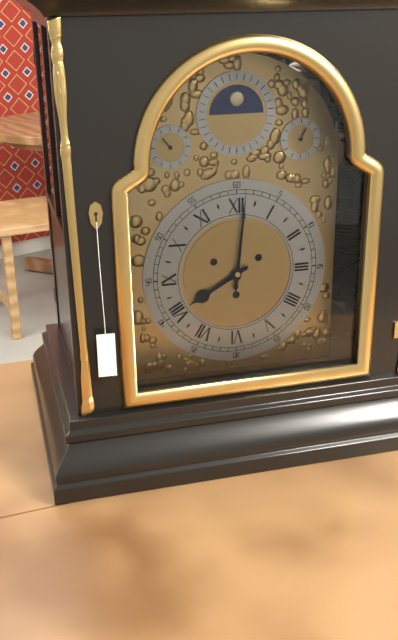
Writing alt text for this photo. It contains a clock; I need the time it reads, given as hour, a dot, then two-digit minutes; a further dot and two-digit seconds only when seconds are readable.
8.01
